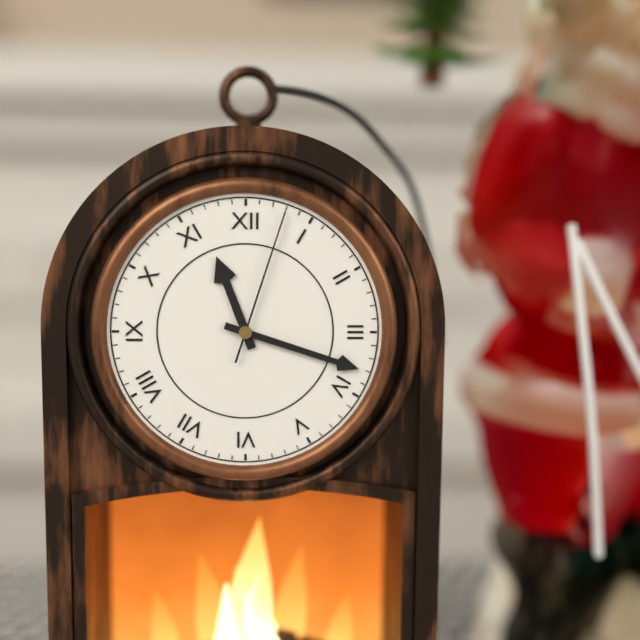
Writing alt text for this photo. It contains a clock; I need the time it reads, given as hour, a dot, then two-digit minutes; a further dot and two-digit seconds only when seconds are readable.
11.18.03
